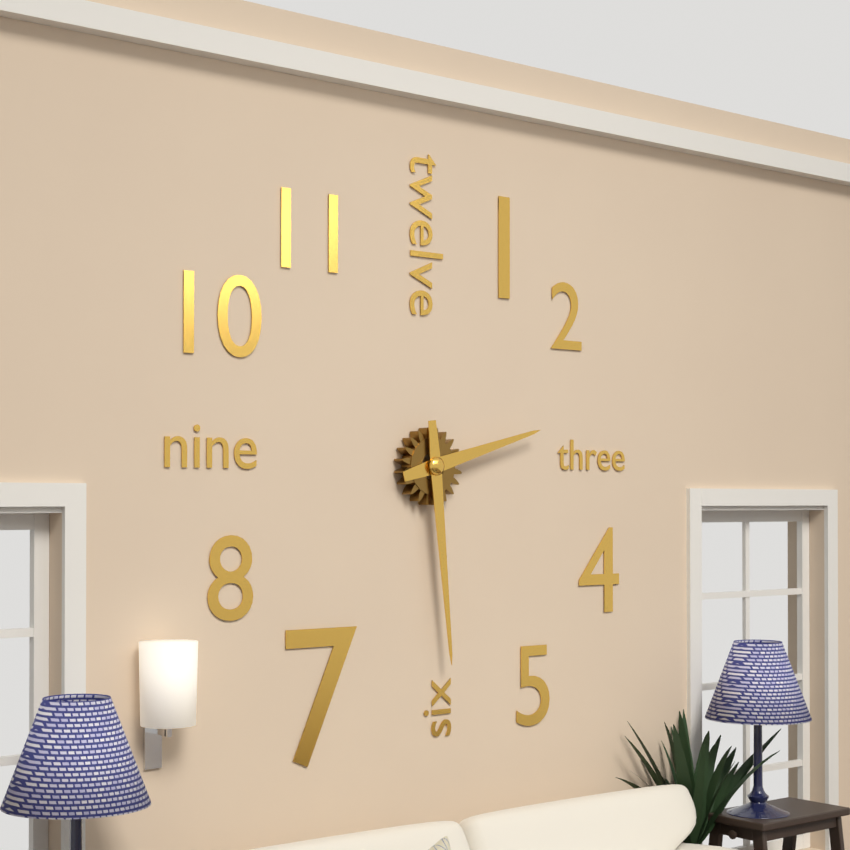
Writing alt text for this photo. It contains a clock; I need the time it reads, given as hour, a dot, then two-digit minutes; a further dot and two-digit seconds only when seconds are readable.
2.29
